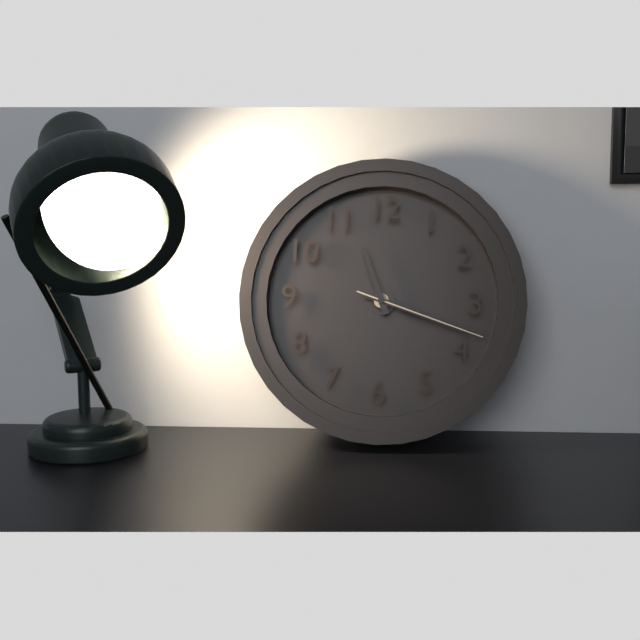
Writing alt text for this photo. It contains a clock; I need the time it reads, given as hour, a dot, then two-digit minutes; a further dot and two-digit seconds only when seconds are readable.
11.18.18
